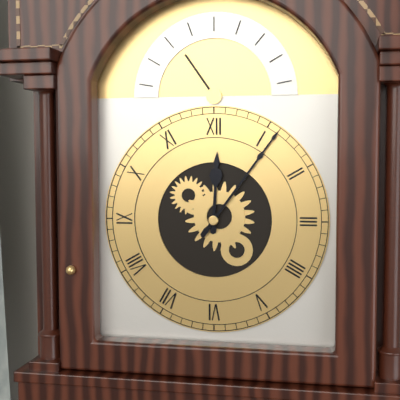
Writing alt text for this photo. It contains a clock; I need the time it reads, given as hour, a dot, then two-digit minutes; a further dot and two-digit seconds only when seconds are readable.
12.06
